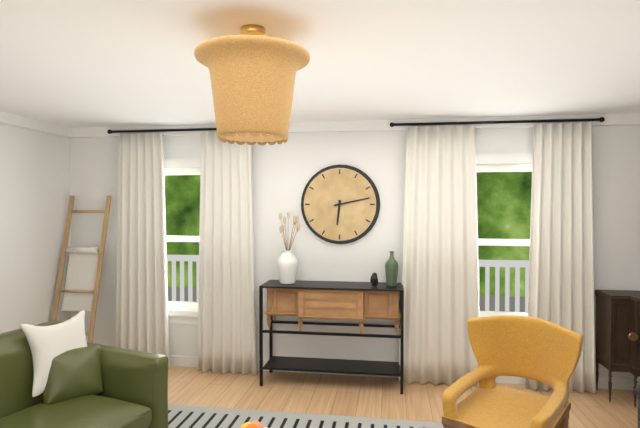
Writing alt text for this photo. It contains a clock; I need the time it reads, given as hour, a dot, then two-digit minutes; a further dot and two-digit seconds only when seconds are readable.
6.13
